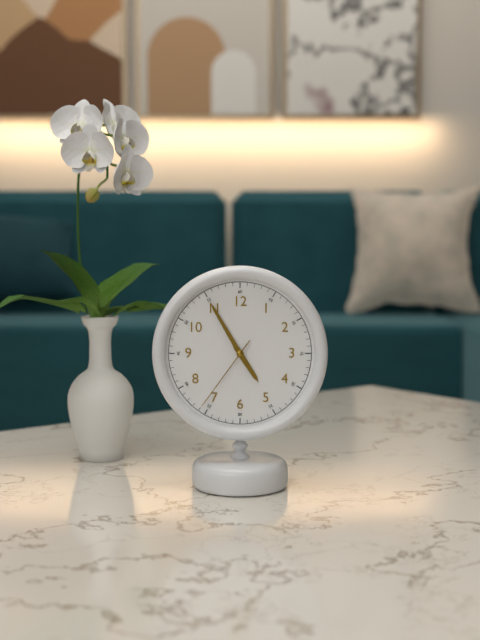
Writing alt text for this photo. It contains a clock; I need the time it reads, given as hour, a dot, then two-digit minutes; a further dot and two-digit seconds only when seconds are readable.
4.55.36
